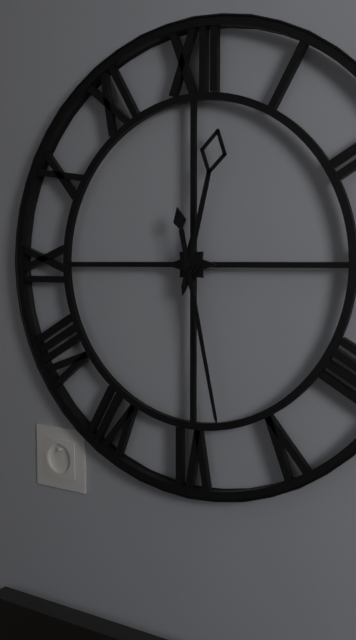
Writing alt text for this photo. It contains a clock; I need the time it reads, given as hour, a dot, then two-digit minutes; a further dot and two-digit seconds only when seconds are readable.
12.28
